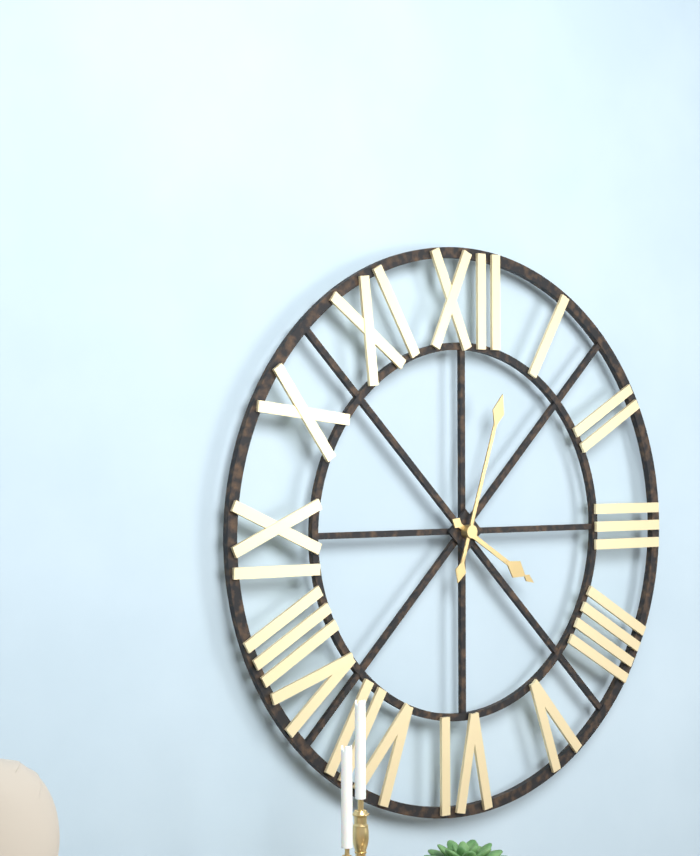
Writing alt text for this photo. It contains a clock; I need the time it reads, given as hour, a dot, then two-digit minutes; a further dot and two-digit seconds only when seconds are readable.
4.03
